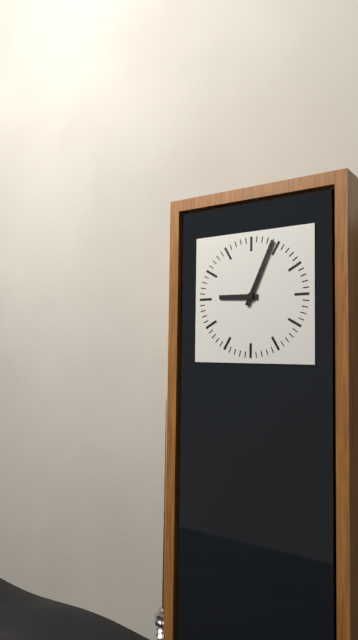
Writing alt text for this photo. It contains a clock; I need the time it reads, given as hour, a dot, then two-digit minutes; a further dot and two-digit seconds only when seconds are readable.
9.04
